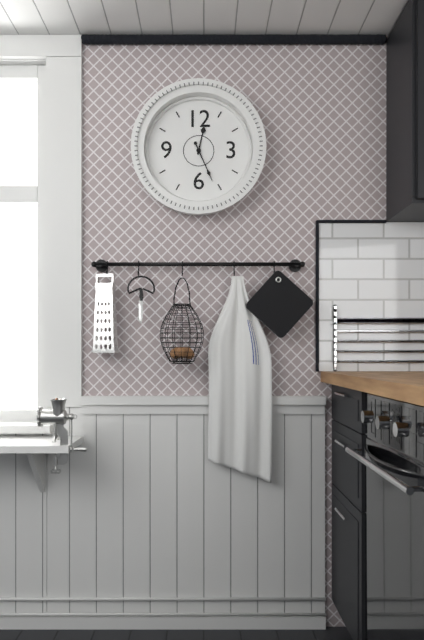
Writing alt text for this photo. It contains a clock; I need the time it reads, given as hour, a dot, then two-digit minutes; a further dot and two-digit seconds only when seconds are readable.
12.26
